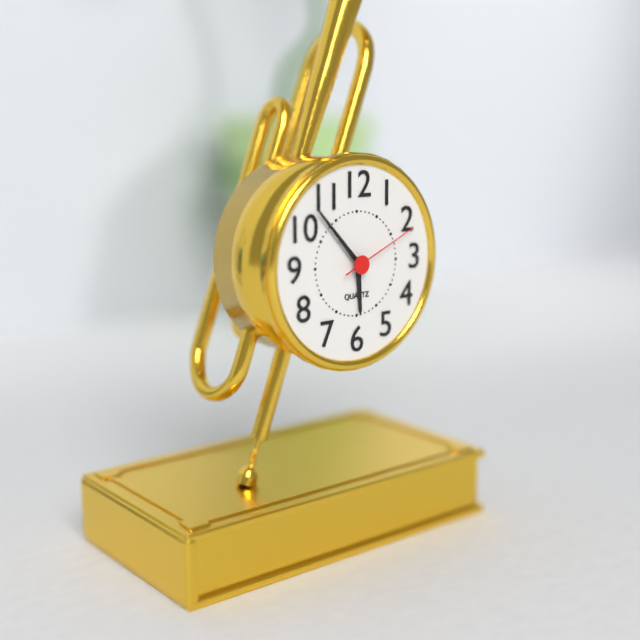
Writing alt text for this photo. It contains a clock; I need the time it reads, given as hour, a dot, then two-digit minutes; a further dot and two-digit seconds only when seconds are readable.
5.53.11
